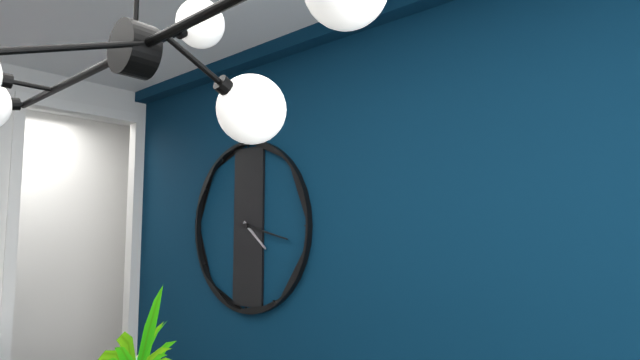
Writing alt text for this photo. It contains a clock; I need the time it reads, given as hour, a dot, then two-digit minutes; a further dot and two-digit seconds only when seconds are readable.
4.17
